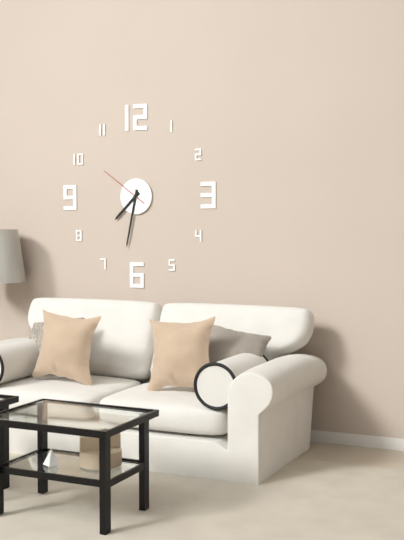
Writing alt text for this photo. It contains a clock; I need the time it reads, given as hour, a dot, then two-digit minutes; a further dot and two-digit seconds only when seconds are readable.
7.32.51
